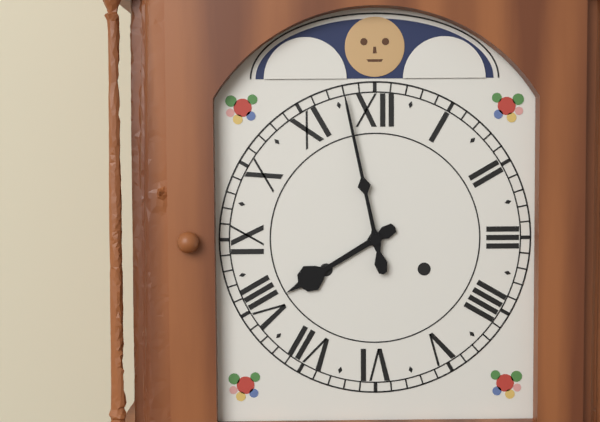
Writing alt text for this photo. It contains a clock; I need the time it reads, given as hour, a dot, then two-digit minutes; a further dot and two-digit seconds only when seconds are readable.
7.58
